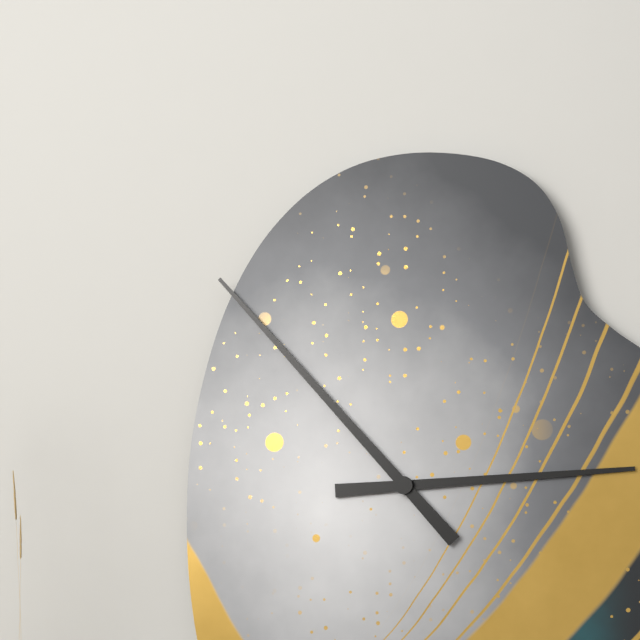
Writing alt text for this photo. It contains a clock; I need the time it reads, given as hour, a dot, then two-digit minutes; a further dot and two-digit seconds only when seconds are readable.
2.53
